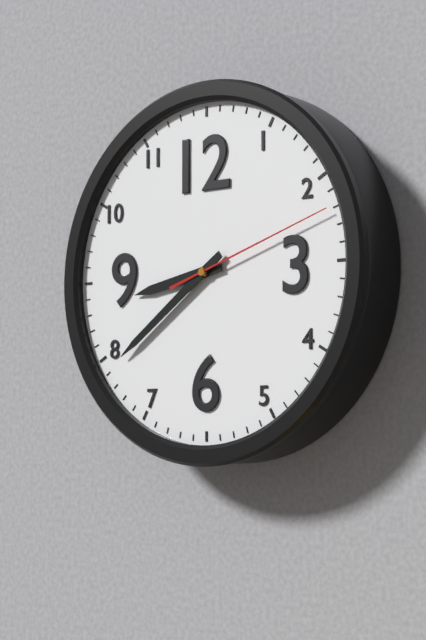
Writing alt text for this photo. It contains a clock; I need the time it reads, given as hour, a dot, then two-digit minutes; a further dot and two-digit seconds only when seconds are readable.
8.39.12
